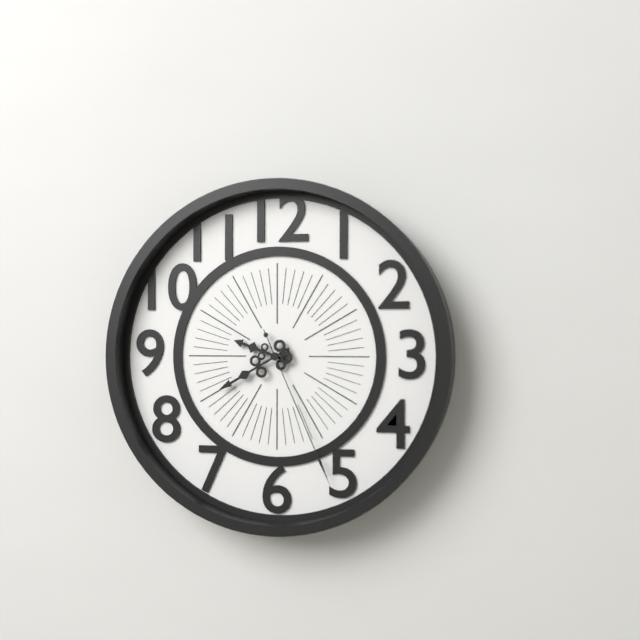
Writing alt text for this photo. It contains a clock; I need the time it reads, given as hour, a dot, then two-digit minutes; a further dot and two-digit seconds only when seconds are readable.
9.40.26
